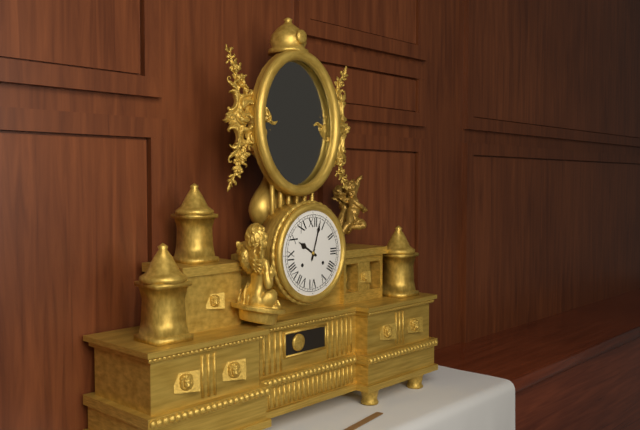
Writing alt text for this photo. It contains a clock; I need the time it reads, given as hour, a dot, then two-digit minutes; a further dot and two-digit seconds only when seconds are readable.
10.03
